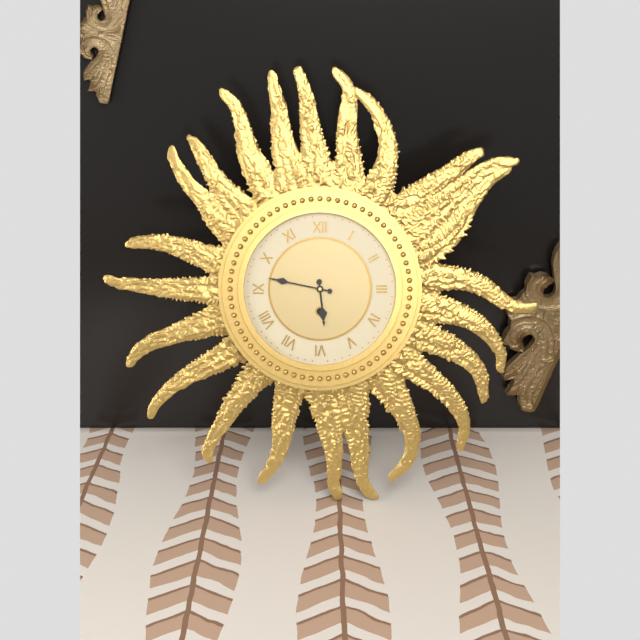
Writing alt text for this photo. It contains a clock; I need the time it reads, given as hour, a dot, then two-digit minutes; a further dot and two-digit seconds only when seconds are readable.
5.47
